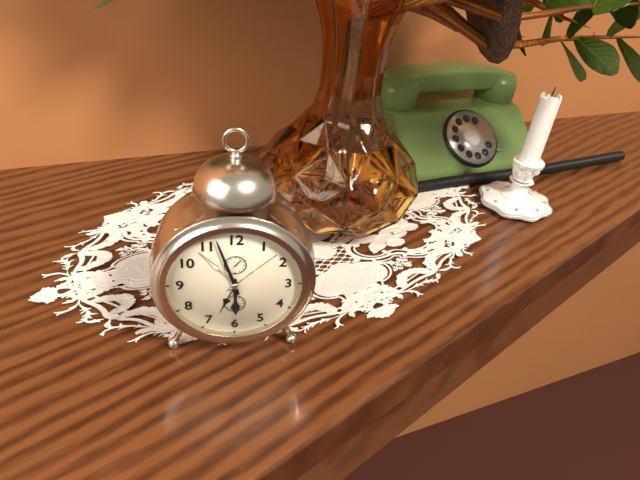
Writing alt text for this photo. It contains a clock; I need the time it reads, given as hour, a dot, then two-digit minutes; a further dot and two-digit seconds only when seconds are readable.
5.57
